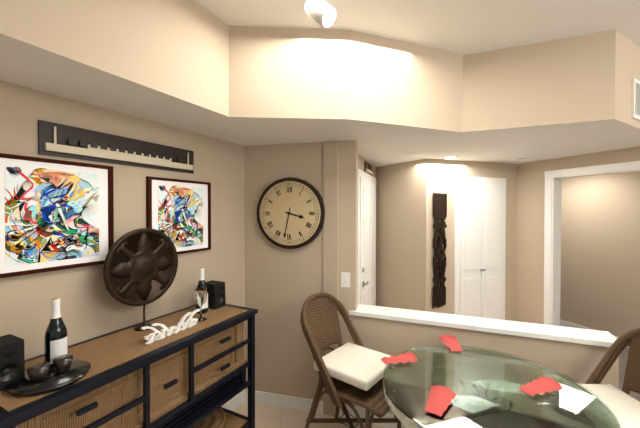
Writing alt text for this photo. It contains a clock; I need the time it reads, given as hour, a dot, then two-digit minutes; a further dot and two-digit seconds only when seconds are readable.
3.32
